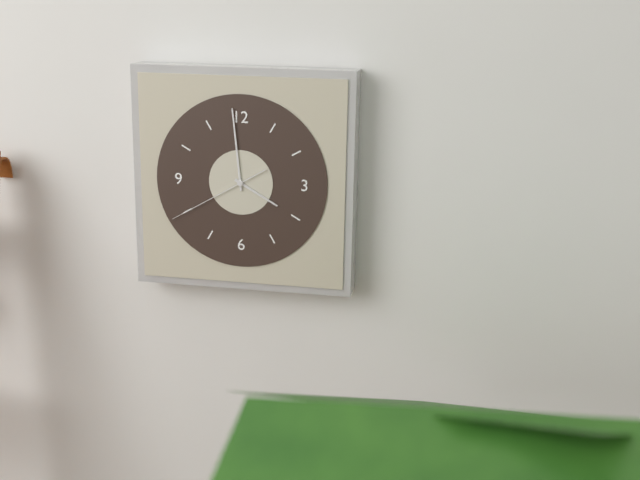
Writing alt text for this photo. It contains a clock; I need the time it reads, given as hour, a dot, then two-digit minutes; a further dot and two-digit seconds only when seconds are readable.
3.59.40
